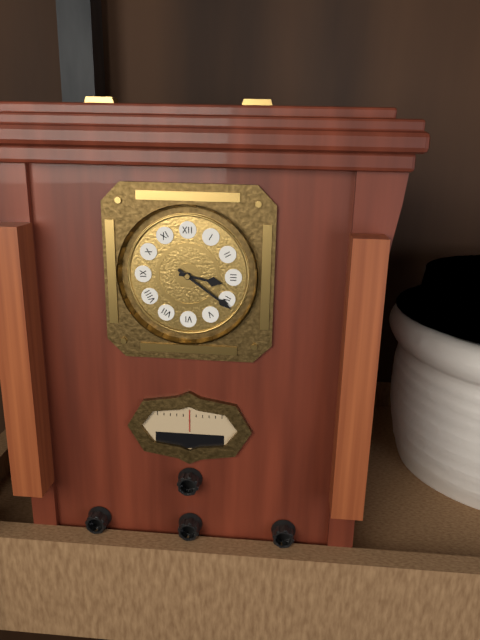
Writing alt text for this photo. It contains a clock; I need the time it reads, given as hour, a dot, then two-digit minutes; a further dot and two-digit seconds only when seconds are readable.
3.21
